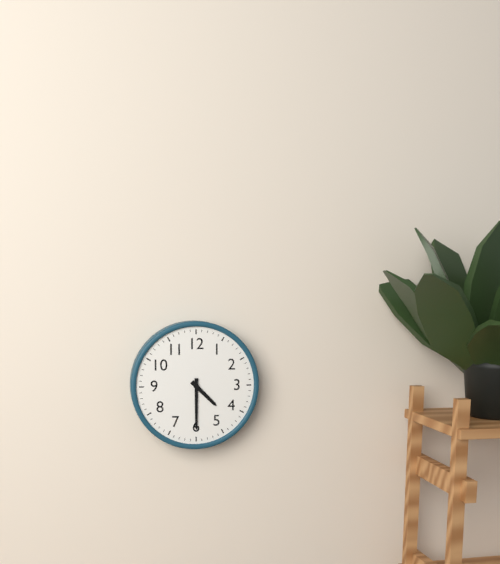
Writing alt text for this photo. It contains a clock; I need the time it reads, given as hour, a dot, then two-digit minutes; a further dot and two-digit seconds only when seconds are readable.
4.30
